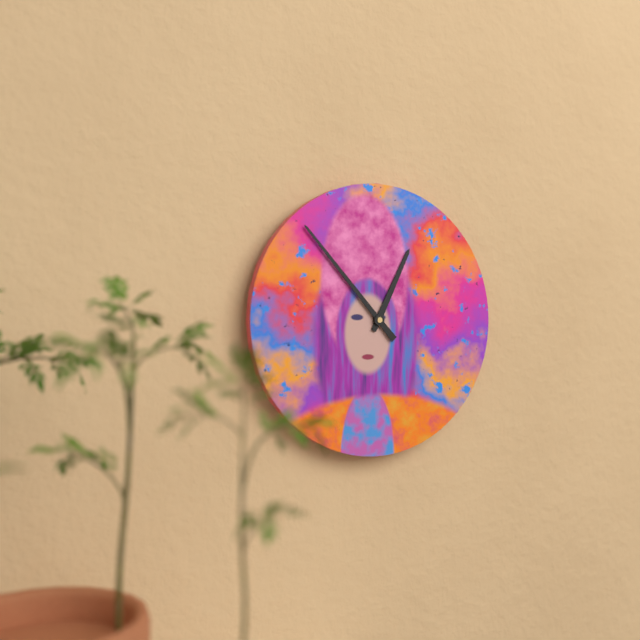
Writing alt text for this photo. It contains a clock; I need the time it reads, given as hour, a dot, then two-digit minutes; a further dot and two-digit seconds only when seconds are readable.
12.53
